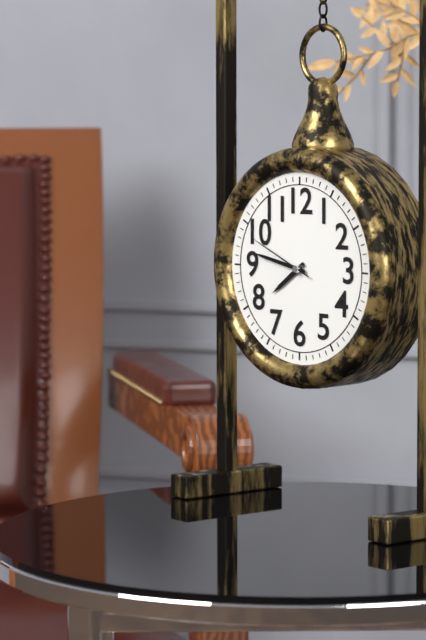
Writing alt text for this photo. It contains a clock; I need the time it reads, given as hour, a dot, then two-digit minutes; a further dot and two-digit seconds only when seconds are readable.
7.47.49
